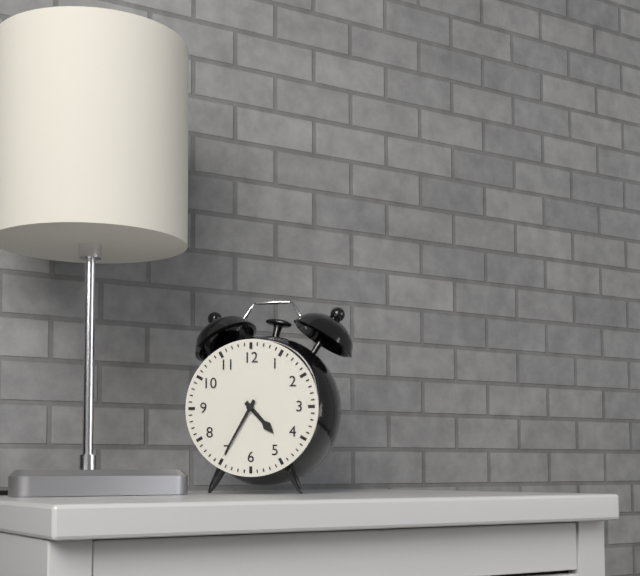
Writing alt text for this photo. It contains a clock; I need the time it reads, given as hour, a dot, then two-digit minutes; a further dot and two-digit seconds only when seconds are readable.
4.35
